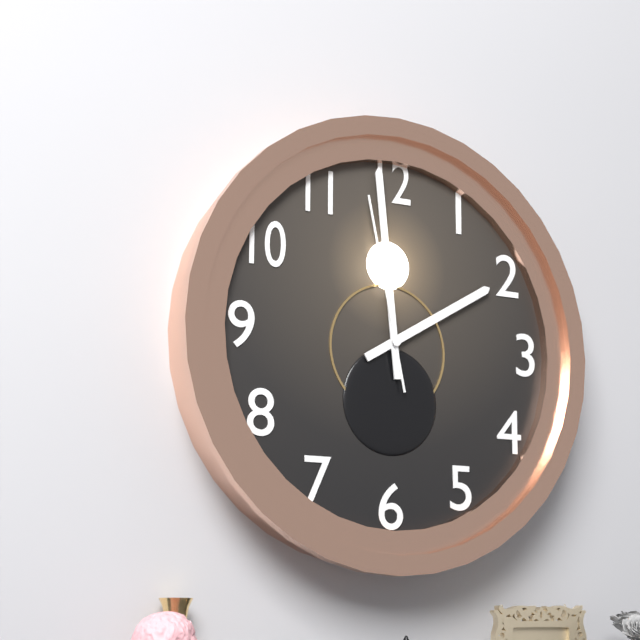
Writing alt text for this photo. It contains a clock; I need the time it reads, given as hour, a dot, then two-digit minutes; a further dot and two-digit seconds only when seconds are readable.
1.59.58
